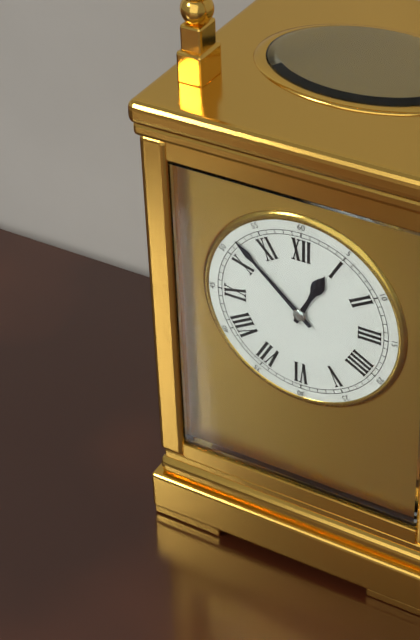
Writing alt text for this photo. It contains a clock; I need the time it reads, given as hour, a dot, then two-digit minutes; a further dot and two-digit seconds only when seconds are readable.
12.52
